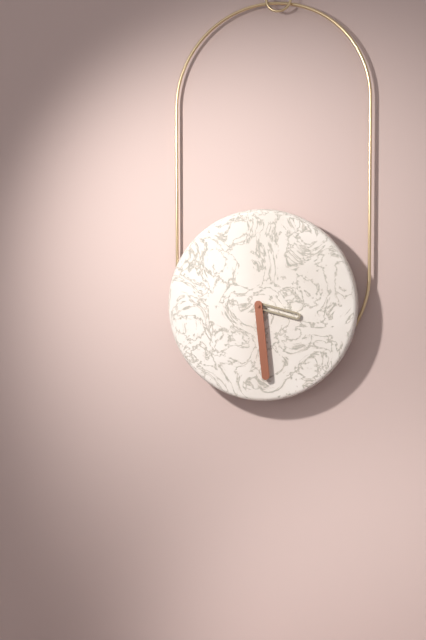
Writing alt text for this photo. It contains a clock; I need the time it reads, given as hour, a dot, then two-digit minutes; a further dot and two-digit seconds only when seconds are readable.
3.29
